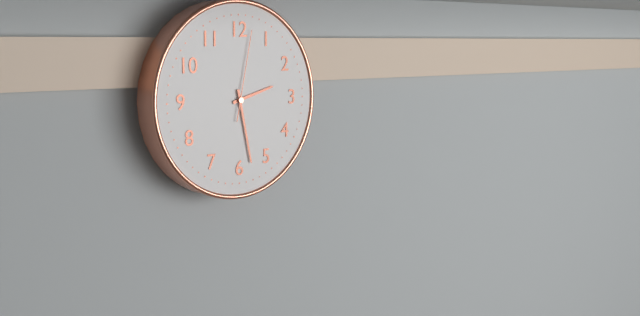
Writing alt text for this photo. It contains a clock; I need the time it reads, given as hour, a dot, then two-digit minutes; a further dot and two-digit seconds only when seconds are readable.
2.28.02
